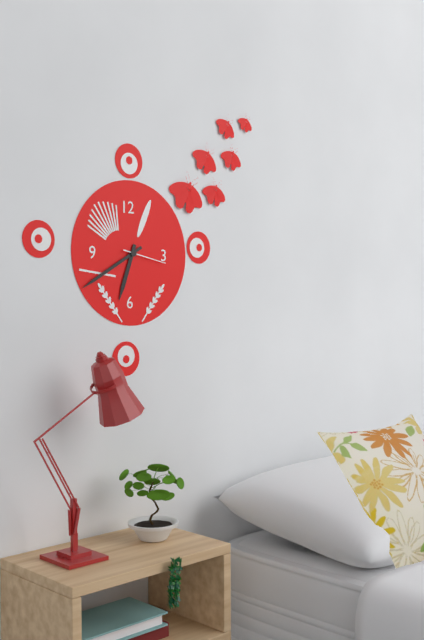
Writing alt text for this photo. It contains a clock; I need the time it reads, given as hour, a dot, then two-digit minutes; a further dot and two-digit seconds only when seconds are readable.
6.40
